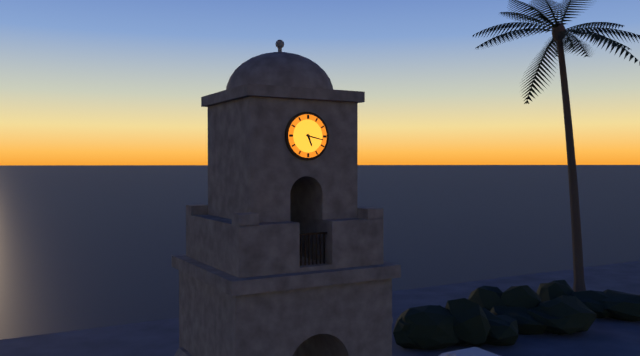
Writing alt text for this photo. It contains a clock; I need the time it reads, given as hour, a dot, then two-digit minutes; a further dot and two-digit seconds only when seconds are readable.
5.17
